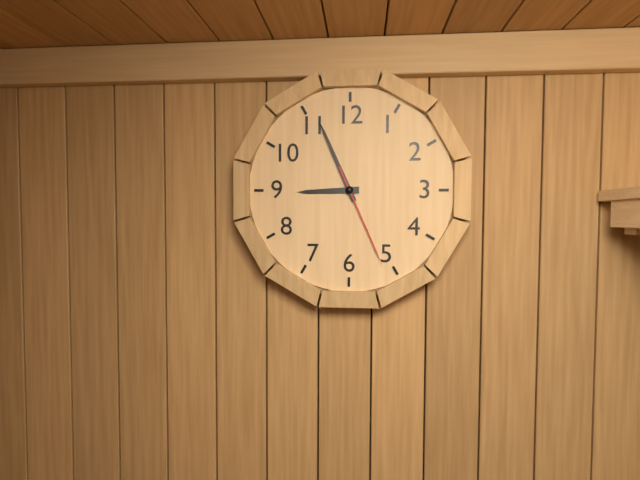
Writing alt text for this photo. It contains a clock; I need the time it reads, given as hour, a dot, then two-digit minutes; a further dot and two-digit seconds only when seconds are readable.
8.56.26
